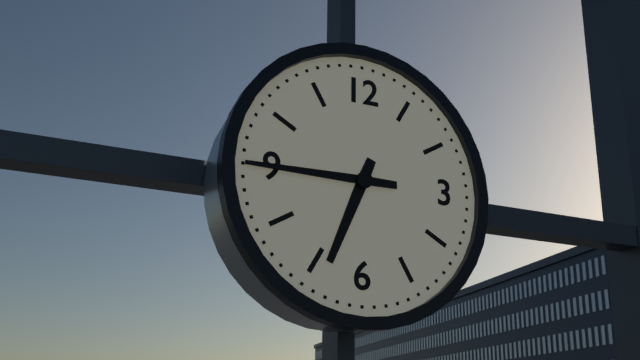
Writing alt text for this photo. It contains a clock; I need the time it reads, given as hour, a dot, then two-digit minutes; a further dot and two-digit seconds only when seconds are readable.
6.45
